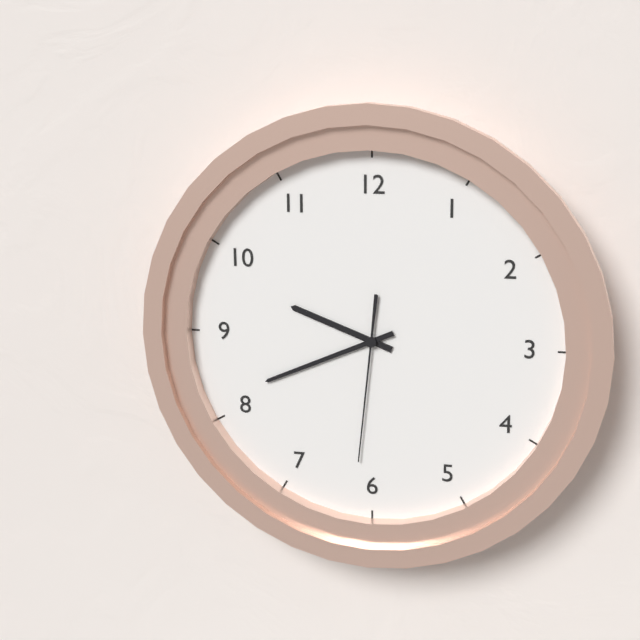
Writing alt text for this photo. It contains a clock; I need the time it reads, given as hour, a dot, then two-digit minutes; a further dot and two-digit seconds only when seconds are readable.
9.41.31
